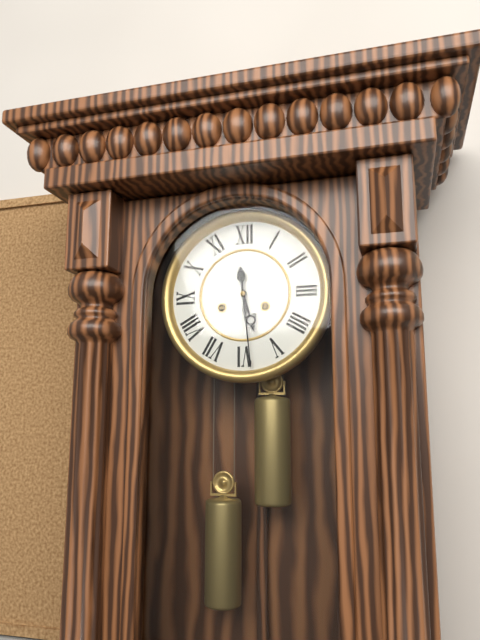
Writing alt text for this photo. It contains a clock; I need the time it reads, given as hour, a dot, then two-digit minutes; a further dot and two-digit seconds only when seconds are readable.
5.29
